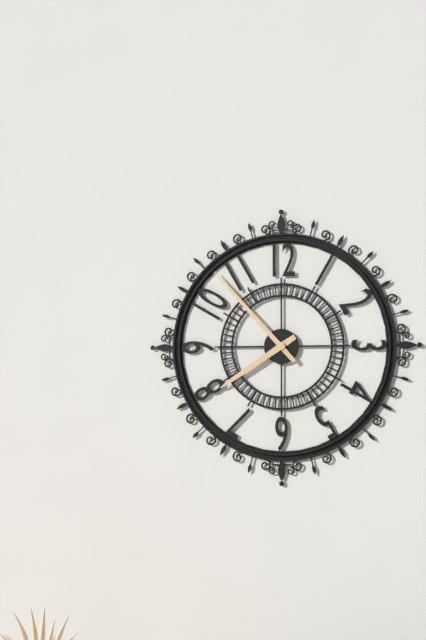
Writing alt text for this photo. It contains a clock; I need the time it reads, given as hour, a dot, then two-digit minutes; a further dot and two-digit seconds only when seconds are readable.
7.53
